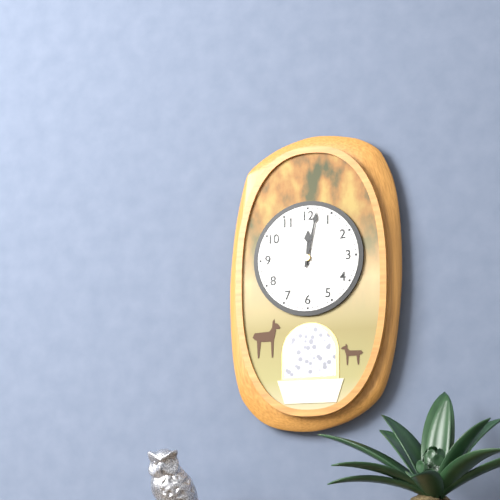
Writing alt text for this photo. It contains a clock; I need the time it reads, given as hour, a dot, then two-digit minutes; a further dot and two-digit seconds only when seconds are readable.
12.02
